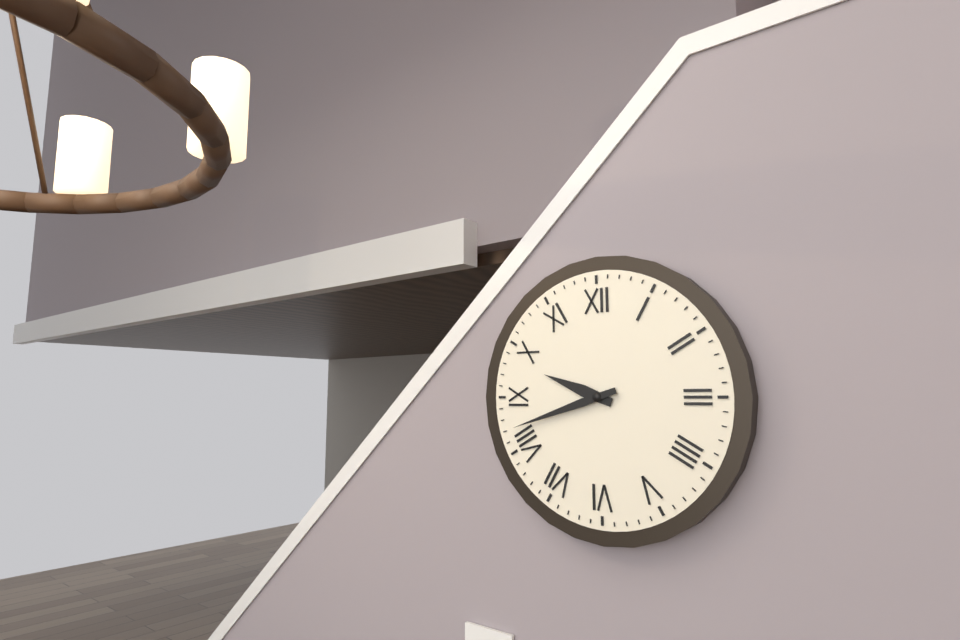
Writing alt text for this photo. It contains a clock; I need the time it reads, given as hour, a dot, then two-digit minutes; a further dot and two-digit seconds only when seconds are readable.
9.42
